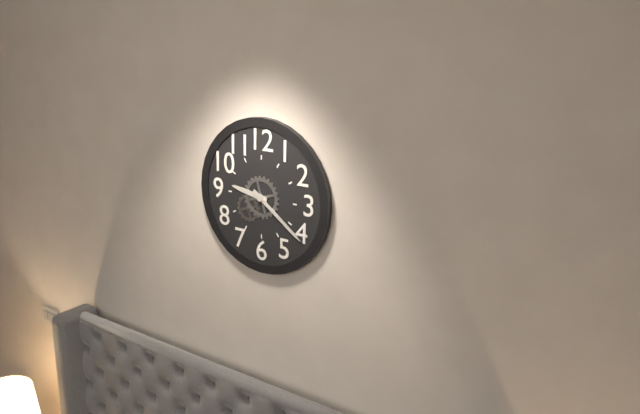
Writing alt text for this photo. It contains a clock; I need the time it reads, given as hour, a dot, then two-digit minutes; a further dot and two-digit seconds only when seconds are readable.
9.21
